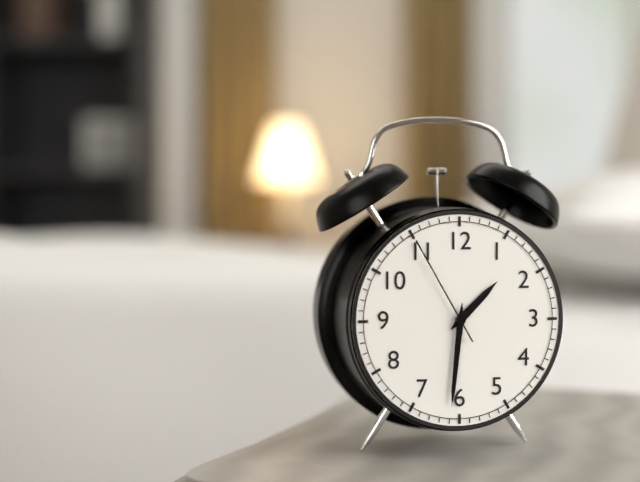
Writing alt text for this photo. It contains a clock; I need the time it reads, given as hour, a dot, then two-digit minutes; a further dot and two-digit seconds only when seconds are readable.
1.31.55
